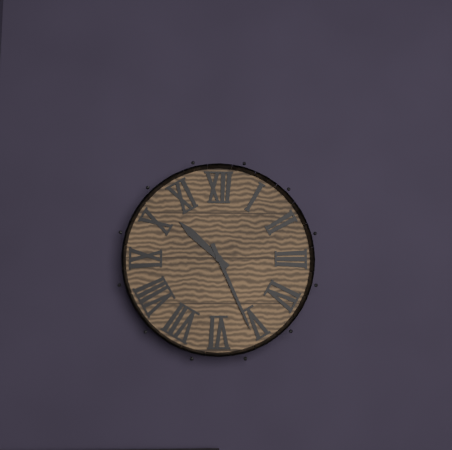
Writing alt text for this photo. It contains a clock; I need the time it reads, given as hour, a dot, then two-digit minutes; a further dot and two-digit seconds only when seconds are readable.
10.26
